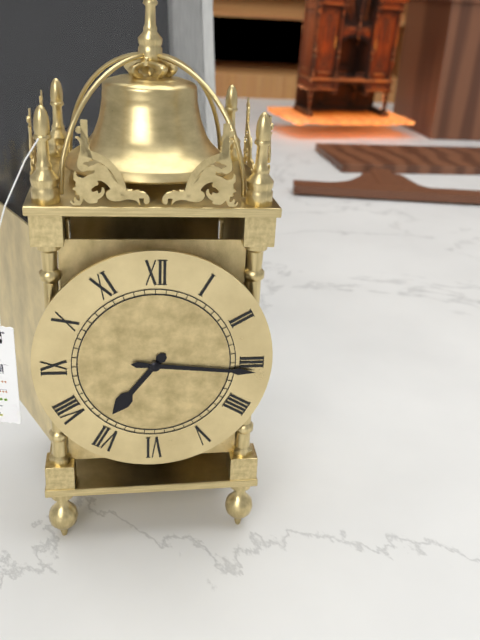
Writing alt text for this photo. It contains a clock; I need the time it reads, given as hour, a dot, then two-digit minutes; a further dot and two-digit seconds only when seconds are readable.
7.16
